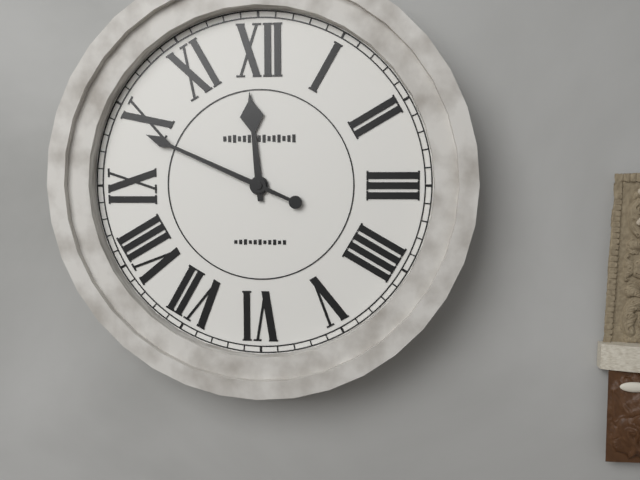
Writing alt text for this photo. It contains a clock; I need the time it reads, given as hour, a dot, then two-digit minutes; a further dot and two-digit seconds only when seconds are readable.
11.49
